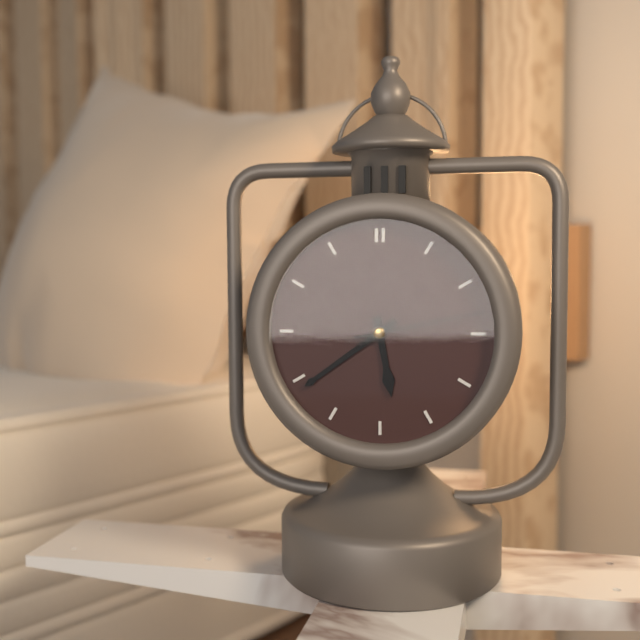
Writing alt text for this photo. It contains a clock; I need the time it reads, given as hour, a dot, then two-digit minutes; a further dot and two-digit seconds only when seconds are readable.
5.39.13
